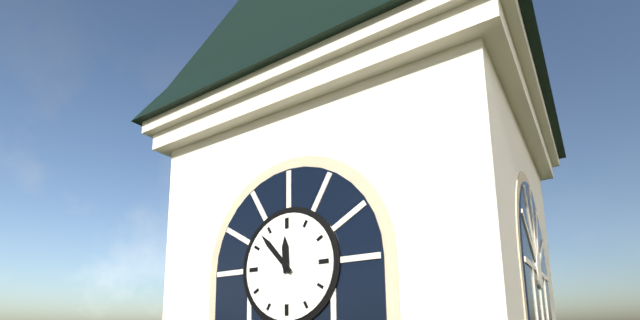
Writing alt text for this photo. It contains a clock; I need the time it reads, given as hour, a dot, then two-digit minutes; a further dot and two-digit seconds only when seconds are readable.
11.53
